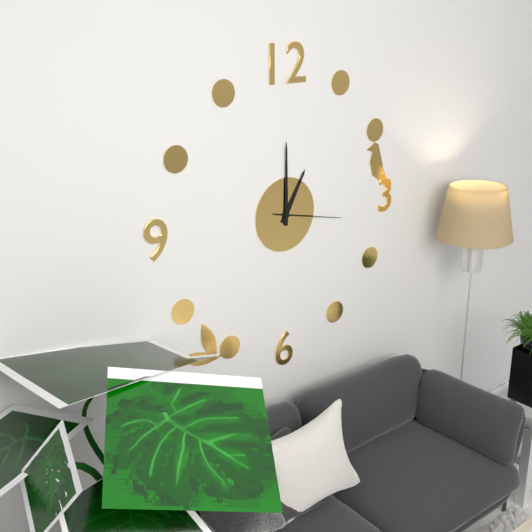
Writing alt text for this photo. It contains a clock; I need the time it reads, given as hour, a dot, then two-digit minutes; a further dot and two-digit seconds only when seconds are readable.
1.00.17
